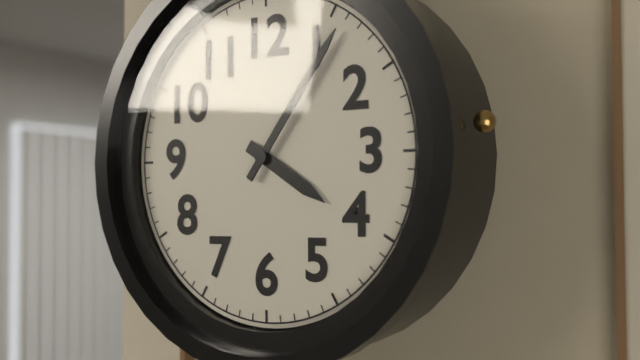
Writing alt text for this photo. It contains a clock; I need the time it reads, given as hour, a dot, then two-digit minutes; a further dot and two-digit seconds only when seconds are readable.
4.06
